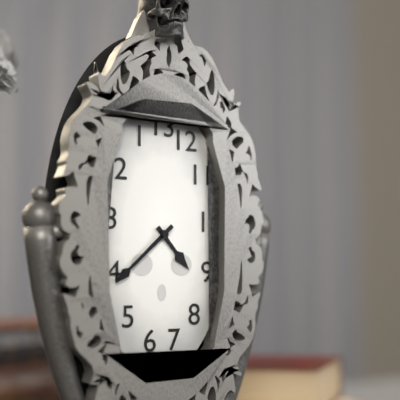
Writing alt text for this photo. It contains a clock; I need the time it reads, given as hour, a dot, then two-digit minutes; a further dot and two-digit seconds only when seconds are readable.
4.38
